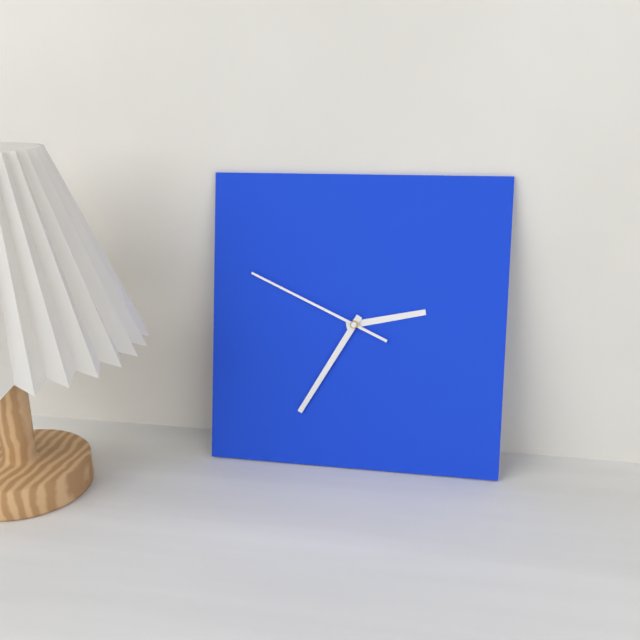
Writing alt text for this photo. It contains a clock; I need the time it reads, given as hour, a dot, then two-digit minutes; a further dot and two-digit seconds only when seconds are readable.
2.35.49
